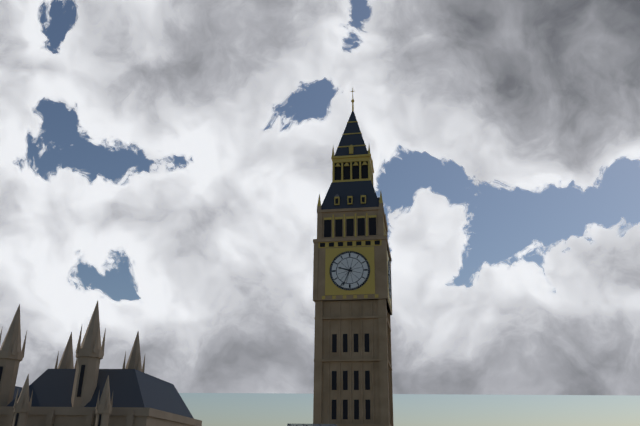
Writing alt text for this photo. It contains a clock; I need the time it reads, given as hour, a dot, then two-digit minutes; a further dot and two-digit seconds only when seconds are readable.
9.34
